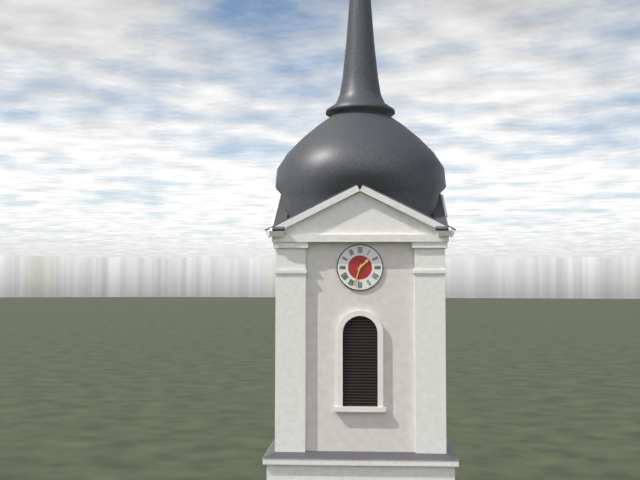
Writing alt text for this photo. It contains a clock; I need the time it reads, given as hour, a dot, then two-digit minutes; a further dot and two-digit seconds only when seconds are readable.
1.33
